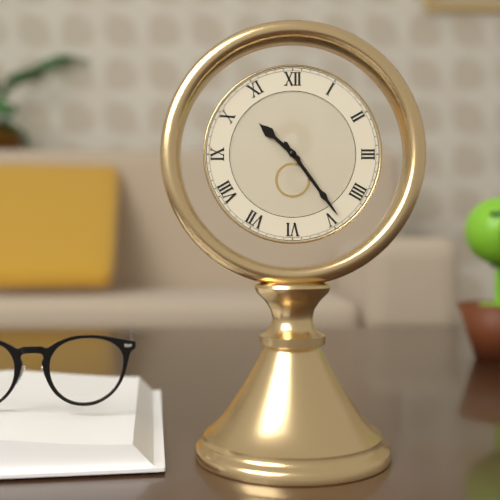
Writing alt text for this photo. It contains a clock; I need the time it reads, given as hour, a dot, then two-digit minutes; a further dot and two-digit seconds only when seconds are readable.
10.24
